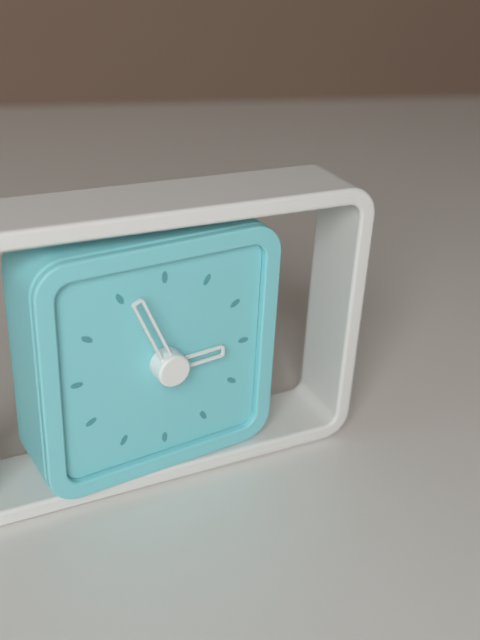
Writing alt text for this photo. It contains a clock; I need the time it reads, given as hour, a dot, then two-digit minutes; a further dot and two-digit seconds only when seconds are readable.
2.56
